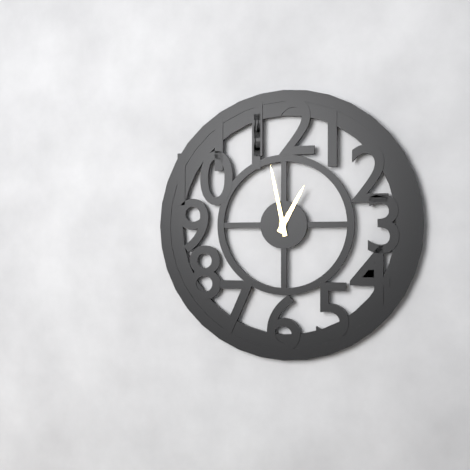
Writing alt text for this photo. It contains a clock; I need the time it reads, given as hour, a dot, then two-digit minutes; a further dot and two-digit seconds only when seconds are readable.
12.58
